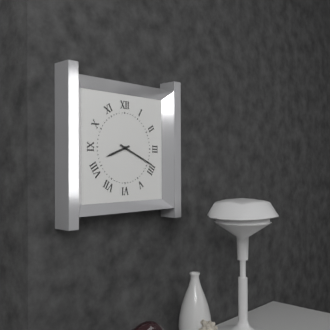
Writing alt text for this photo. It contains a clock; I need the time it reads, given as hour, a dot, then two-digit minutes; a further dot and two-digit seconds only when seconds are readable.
8.19
